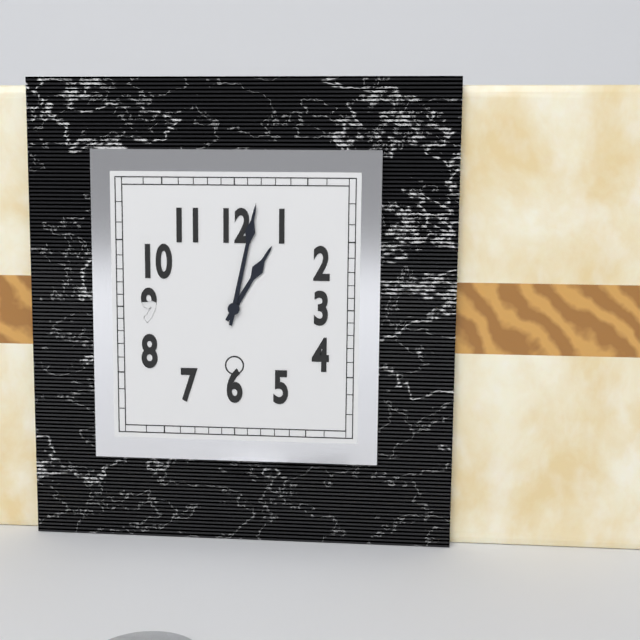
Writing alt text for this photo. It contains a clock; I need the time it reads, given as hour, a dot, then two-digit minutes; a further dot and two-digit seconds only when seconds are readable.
1.02
